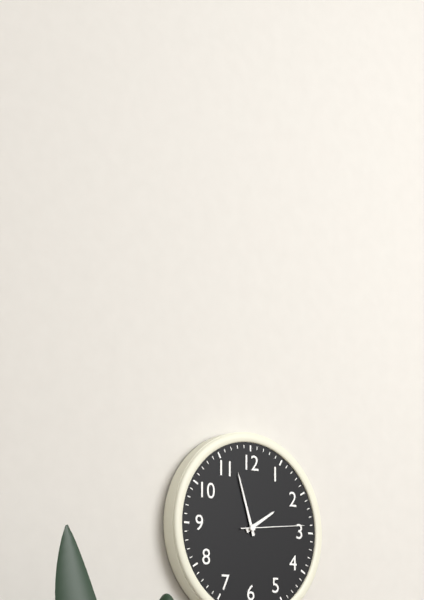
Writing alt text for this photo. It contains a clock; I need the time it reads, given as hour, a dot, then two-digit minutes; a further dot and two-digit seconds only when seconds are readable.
1.57.14
